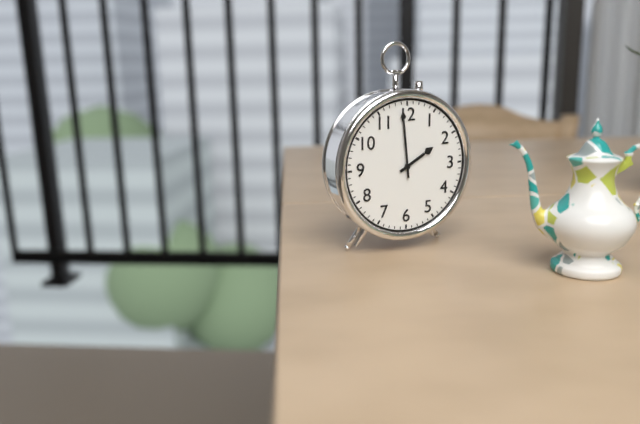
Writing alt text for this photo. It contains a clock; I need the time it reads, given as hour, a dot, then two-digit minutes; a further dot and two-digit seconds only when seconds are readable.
1.59
